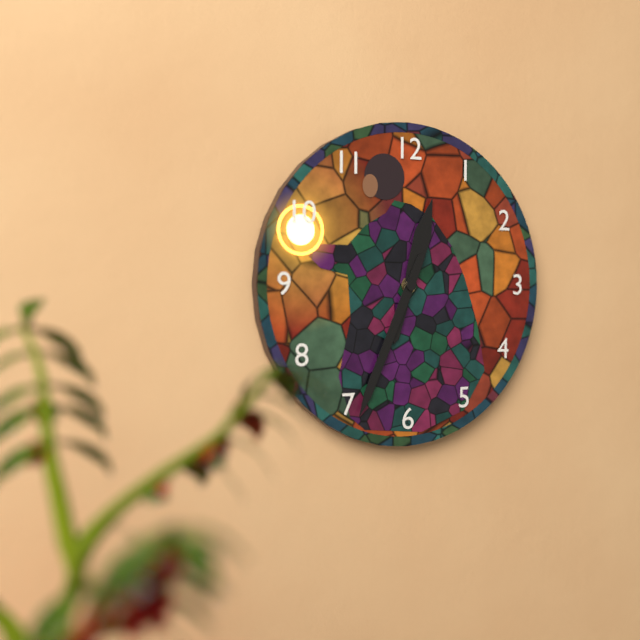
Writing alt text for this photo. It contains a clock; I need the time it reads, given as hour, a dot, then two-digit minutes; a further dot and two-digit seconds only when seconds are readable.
12.34
